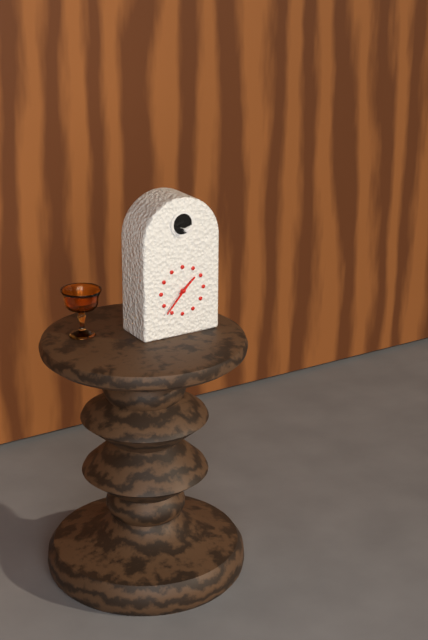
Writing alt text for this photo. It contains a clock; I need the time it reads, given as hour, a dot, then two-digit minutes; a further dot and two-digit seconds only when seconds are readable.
1.37
